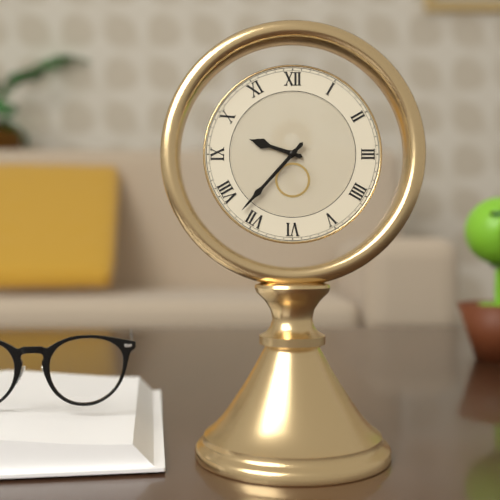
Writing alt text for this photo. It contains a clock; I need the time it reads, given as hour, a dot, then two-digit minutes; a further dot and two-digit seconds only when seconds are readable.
9.37
